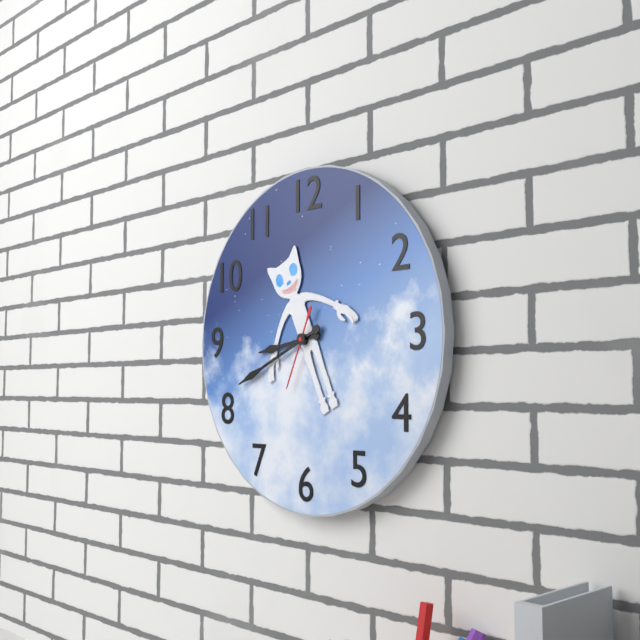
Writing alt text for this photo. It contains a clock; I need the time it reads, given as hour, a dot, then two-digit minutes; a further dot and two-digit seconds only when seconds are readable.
8.41.34
